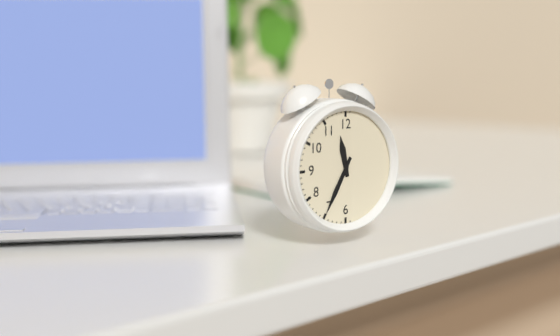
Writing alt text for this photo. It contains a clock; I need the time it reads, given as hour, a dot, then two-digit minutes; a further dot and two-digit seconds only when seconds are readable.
11.35
